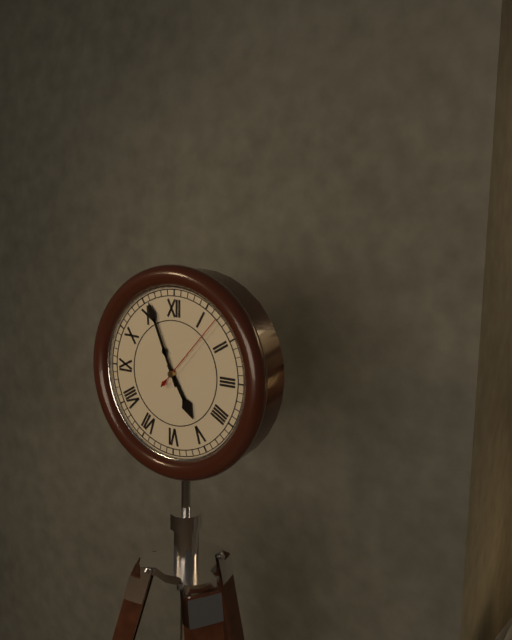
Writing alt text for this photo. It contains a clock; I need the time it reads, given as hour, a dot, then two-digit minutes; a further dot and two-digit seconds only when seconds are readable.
4.56.07
